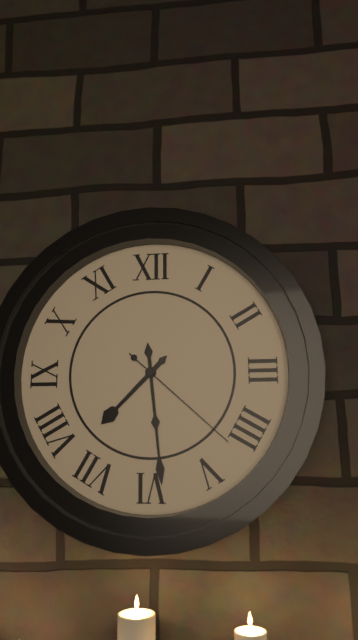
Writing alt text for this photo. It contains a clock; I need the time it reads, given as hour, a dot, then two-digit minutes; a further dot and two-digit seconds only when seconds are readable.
7.29.22
